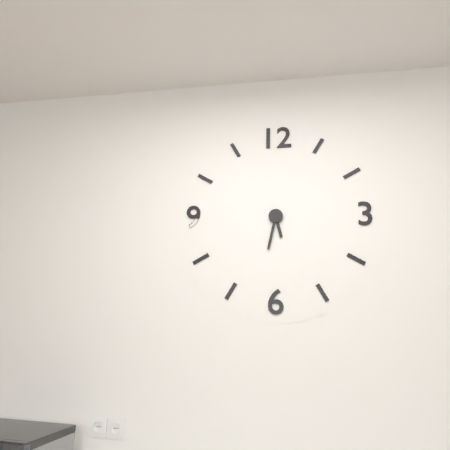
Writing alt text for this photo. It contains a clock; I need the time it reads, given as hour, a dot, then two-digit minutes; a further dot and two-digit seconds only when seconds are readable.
5.32
